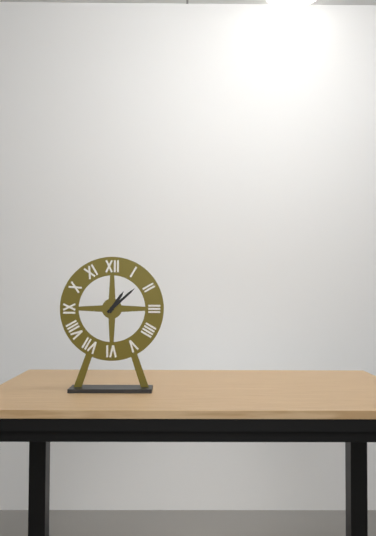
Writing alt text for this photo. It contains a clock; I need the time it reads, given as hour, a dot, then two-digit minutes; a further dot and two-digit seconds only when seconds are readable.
1.08
